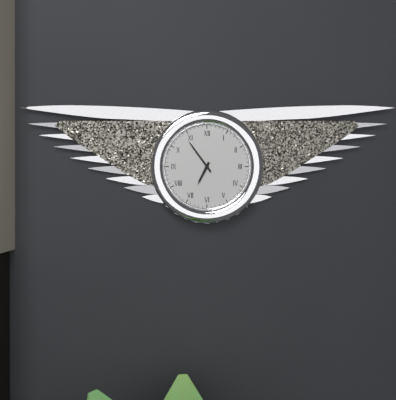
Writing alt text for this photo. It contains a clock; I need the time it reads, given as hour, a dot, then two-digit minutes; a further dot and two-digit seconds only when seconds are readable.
6.54
